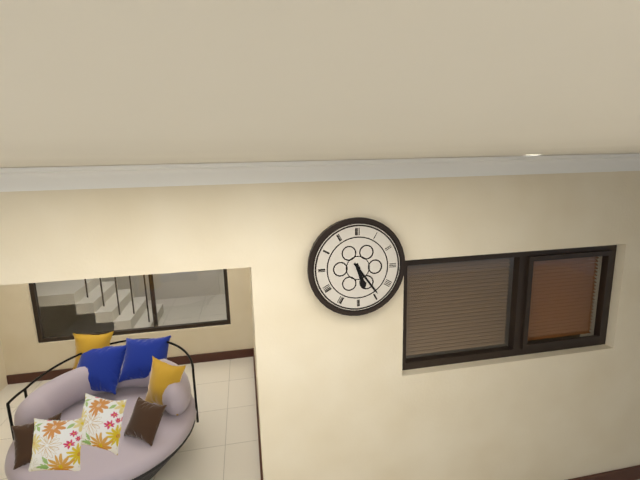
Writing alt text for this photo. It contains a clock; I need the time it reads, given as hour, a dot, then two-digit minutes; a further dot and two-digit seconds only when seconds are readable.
5.24
